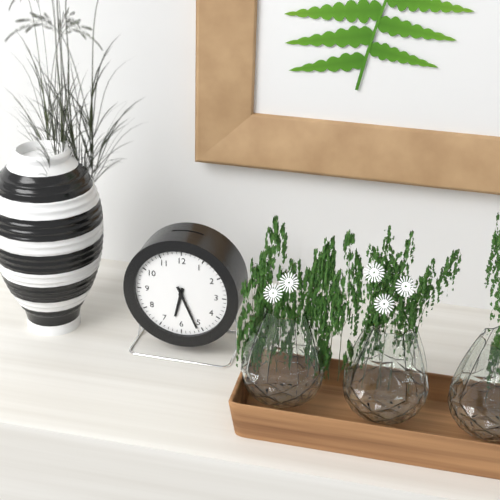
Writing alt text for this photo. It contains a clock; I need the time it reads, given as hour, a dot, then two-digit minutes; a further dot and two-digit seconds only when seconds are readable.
6.26
